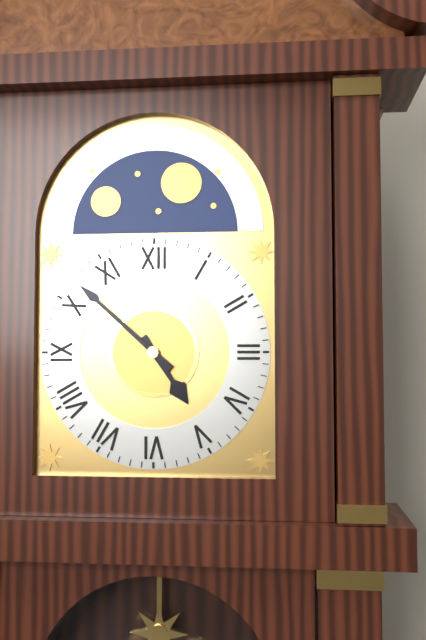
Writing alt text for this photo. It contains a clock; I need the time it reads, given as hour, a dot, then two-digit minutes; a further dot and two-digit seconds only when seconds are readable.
4.52
